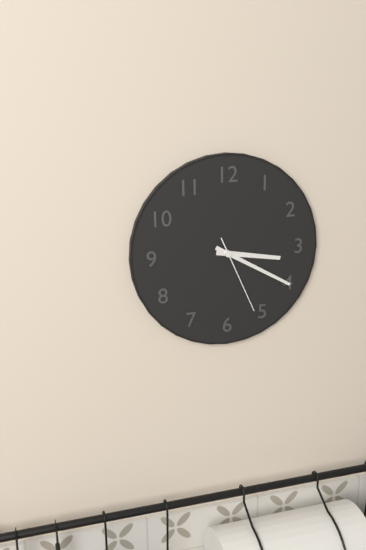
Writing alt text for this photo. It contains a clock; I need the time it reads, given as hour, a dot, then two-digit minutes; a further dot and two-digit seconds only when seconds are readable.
3.20.26
